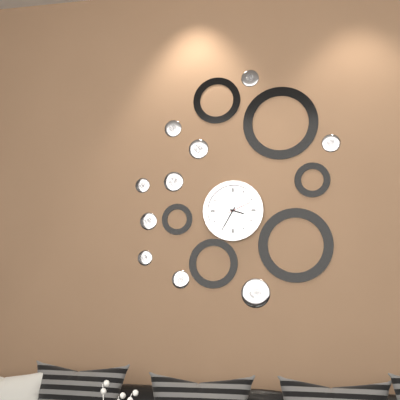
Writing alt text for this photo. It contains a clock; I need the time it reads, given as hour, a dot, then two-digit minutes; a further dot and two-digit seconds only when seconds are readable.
3.35
